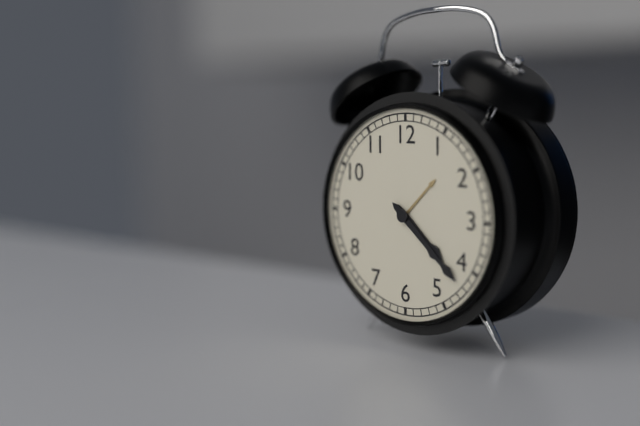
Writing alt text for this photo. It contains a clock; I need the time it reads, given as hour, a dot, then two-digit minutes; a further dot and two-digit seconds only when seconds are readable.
4.22
